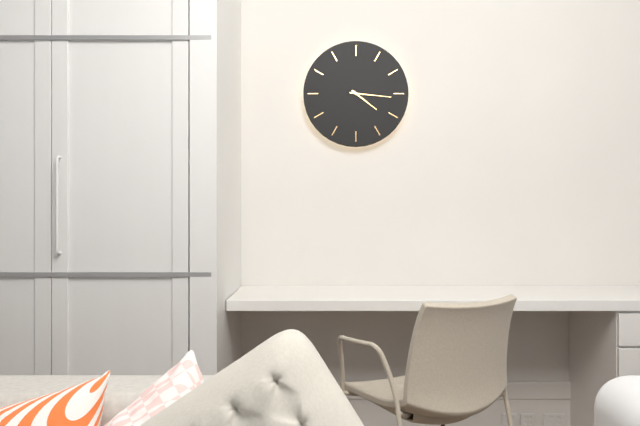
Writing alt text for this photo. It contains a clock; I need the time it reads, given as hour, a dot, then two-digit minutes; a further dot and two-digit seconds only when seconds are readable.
4.16
